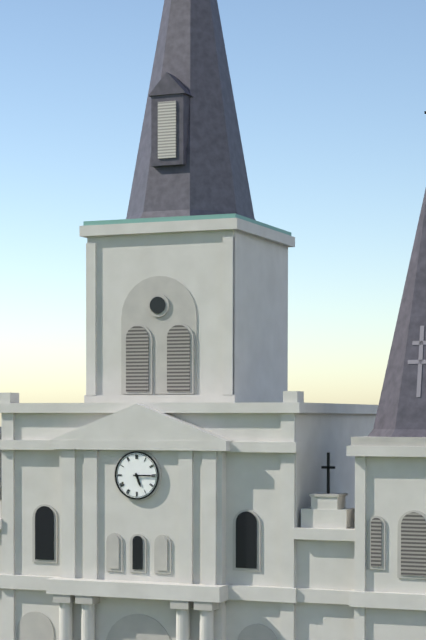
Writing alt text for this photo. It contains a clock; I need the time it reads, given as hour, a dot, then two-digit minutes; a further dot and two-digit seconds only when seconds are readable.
5.15
